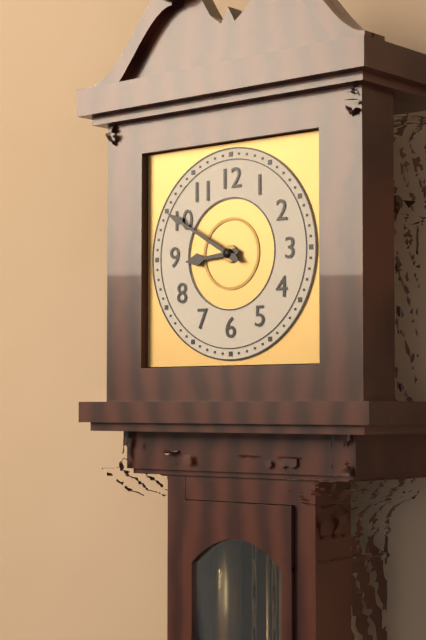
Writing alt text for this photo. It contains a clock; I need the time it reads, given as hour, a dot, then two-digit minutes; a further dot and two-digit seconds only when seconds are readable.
8.50
